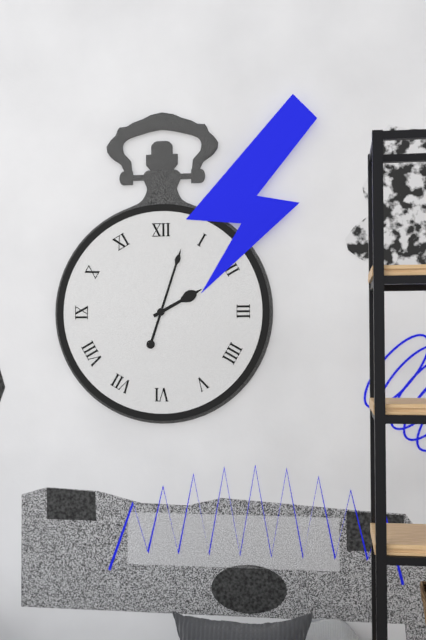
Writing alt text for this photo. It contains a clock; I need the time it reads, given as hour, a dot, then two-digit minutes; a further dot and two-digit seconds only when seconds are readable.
2.03
